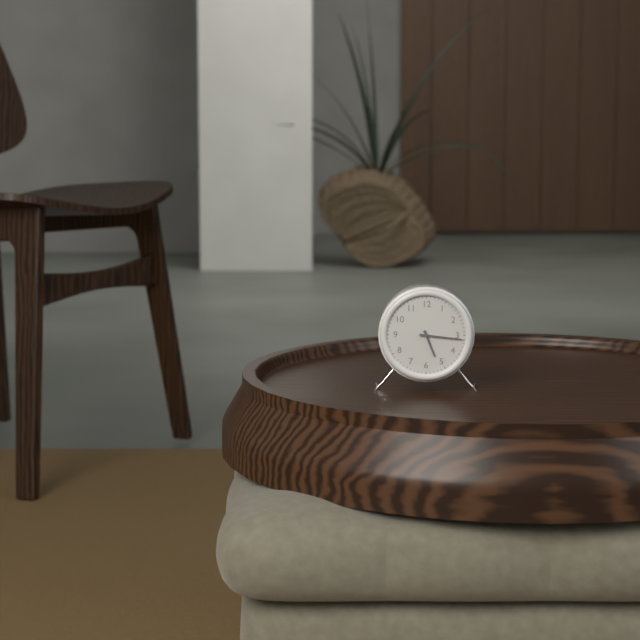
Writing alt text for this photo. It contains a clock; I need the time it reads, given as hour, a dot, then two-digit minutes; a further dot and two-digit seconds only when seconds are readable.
5.16
